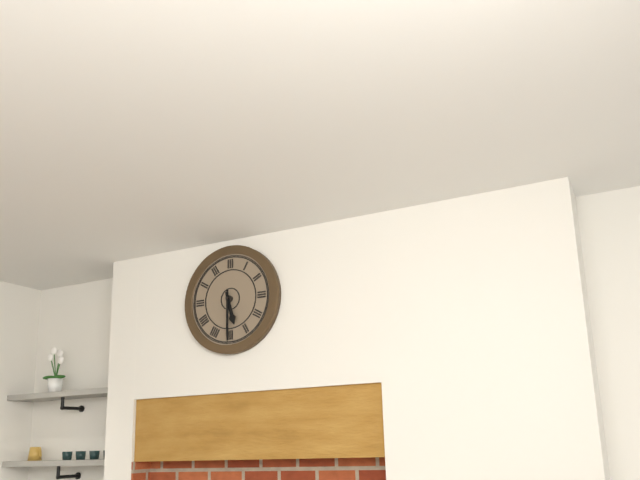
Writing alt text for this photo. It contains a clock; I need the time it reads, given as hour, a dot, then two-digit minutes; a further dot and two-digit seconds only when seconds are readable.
5.30
